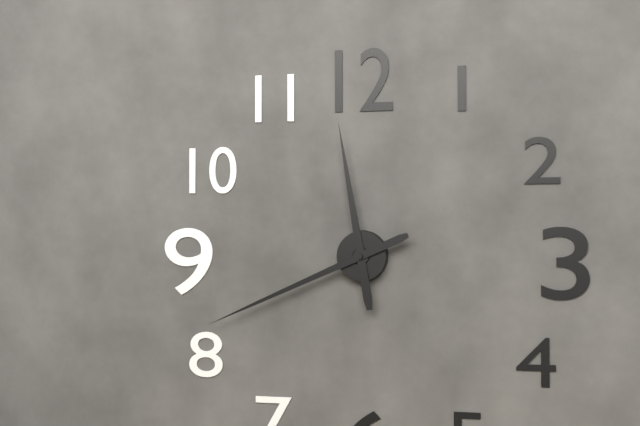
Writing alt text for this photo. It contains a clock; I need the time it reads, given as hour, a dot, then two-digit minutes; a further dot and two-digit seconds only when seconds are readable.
11.41
